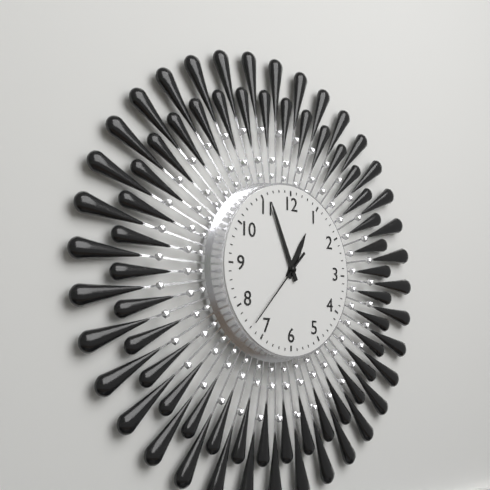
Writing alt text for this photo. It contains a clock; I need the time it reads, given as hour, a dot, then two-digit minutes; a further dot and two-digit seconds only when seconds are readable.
12.56.37
